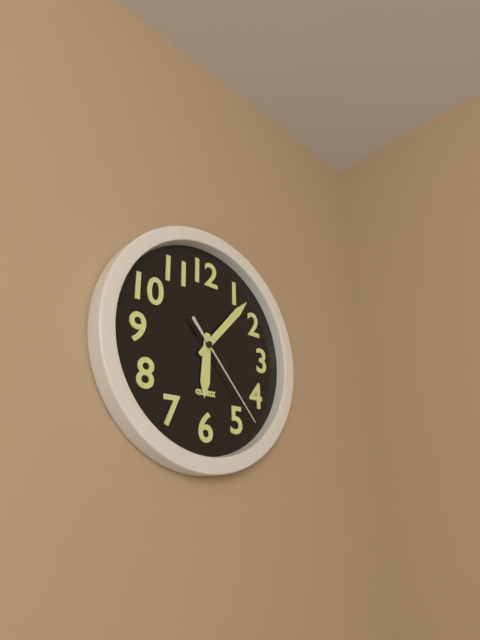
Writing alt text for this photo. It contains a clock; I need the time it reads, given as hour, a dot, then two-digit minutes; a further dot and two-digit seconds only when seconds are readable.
6.07.23
